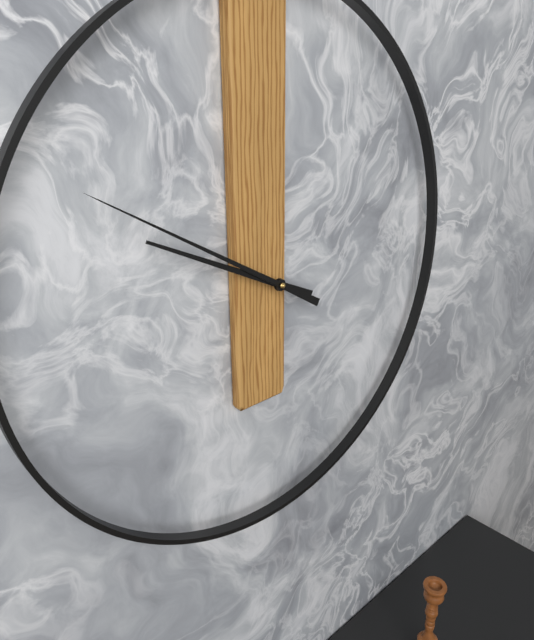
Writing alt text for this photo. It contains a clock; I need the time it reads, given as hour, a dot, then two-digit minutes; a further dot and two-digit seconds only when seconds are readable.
9.50
